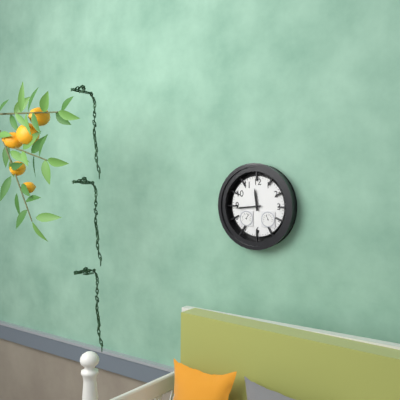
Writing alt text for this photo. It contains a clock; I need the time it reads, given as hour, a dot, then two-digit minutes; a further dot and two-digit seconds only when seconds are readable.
11.44
